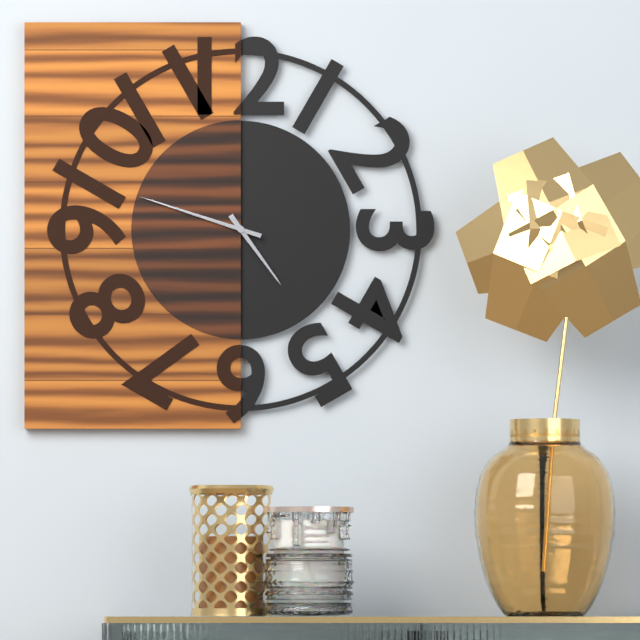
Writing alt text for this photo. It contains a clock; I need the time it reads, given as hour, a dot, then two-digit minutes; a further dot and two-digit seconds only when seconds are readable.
4.48
